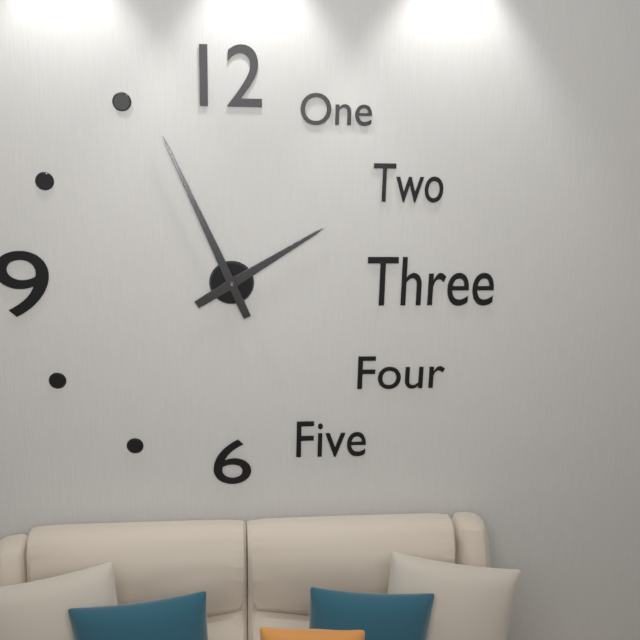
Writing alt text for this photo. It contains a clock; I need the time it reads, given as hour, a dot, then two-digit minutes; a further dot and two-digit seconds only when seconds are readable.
1.56
